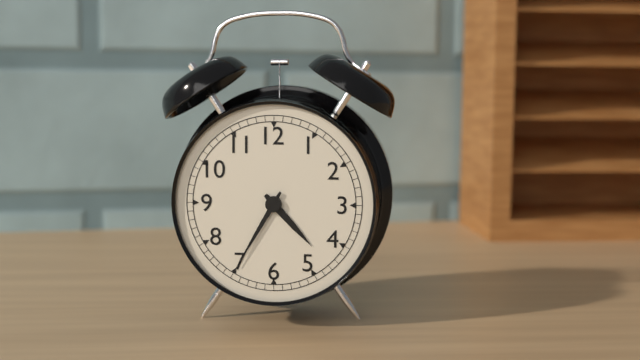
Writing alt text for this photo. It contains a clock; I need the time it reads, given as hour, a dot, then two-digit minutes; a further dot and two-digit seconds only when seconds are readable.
4.35
